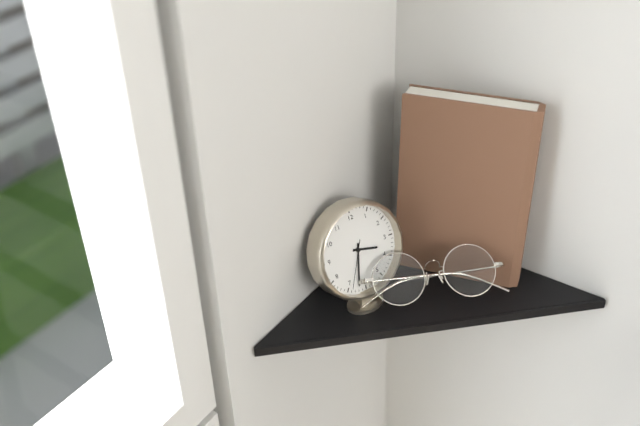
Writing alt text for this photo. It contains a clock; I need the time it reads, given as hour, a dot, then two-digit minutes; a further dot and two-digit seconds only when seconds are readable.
3.32
